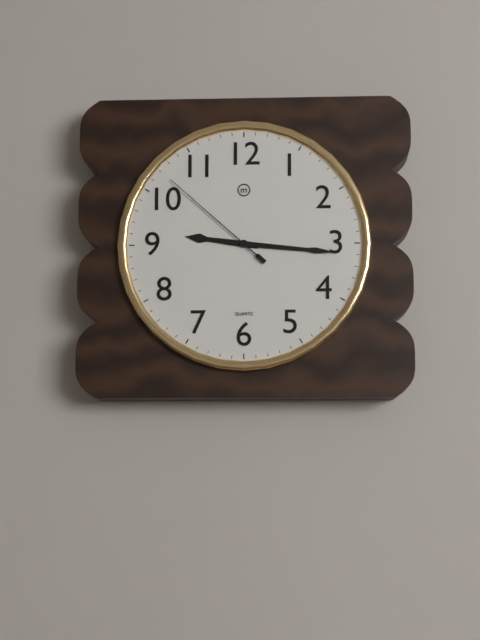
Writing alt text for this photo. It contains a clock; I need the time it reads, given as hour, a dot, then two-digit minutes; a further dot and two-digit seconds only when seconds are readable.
9.16.52
